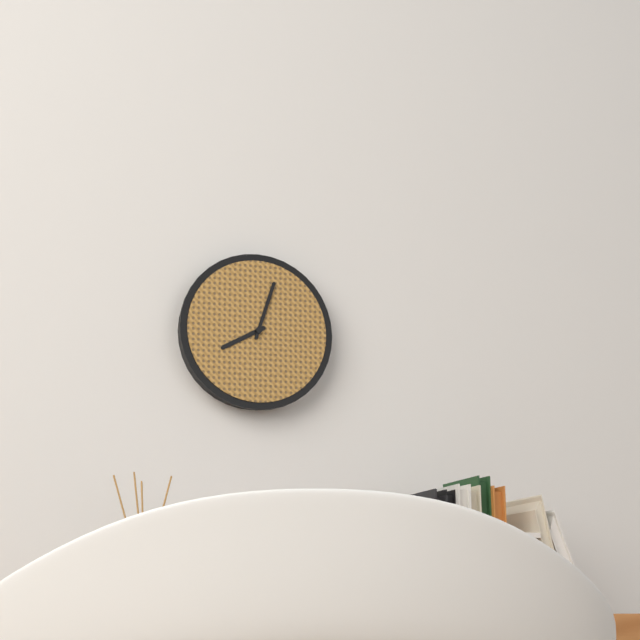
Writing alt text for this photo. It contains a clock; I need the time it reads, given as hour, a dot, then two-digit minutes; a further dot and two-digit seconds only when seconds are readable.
8.03
